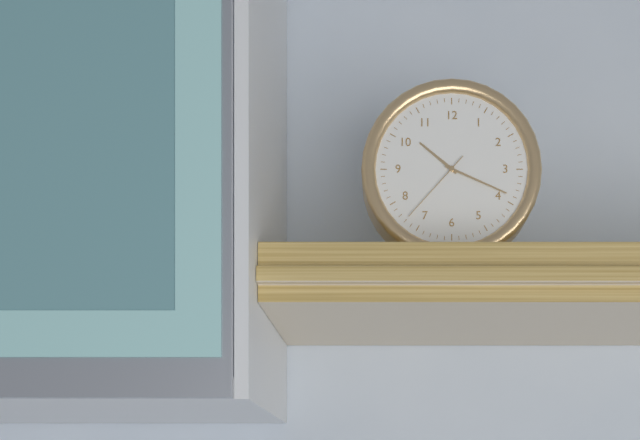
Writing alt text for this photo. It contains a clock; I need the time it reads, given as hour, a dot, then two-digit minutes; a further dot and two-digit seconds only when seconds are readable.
10.19.37
